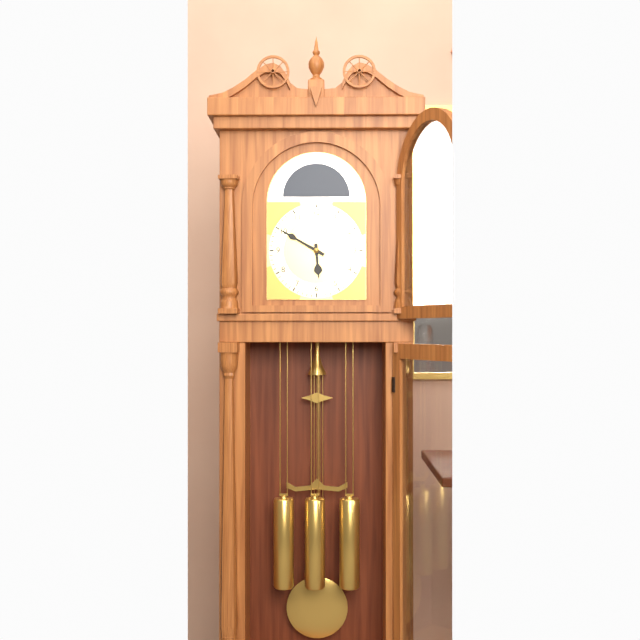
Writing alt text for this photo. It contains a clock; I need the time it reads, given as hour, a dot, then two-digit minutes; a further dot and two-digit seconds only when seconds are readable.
5.50
